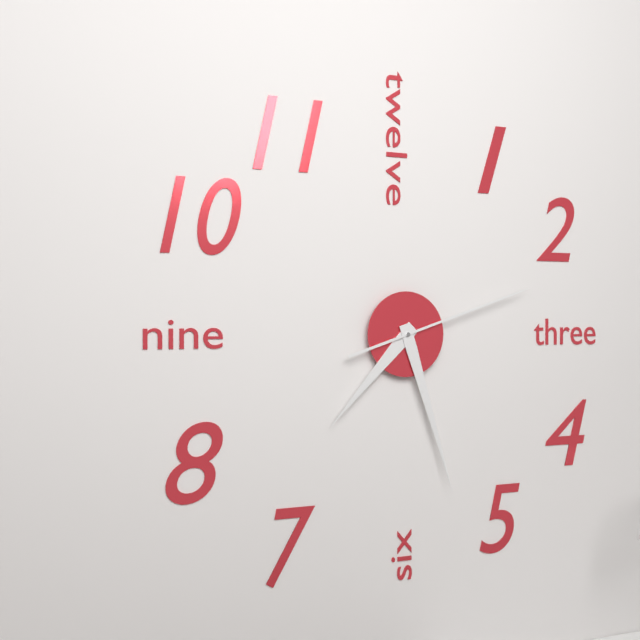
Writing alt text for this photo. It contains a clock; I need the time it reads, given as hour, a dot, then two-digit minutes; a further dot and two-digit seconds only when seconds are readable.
7.27.12
